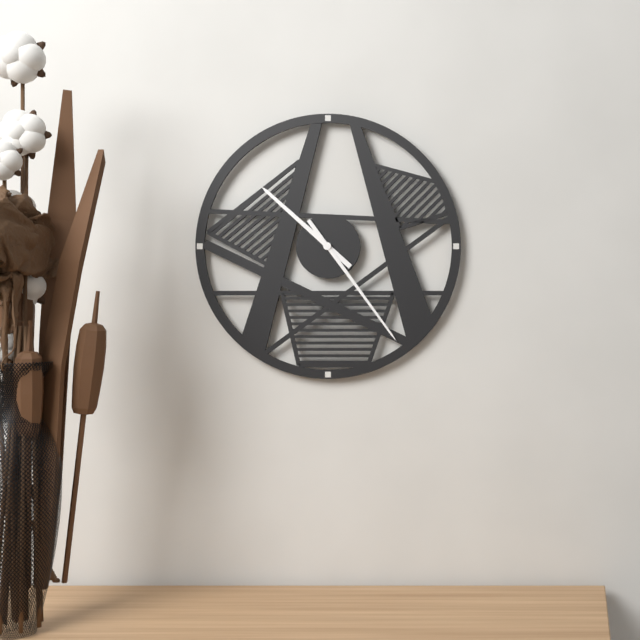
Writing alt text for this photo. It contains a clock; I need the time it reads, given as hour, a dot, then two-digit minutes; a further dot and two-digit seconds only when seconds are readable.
10.24
